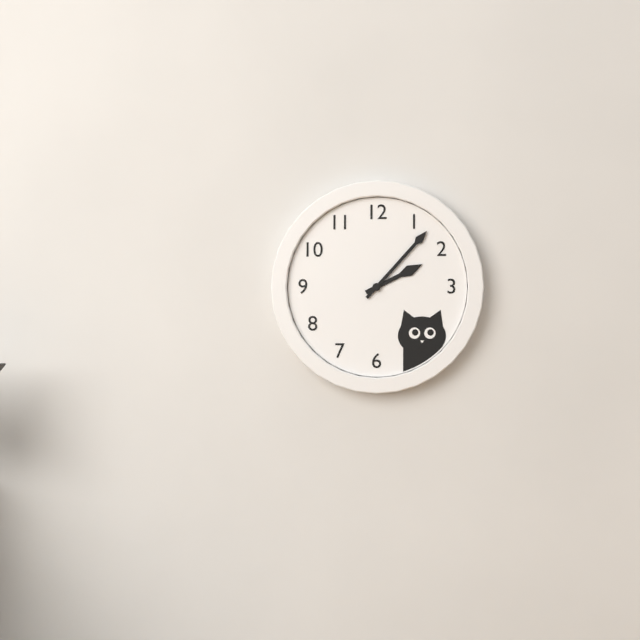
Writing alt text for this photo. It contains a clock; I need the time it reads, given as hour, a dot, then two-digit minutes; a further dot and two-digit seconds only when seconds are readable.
2.07
